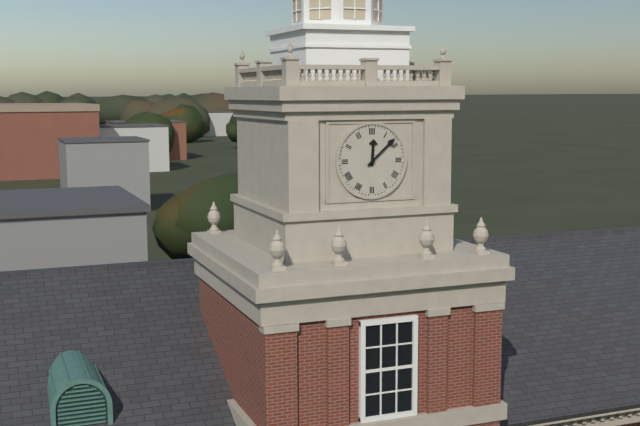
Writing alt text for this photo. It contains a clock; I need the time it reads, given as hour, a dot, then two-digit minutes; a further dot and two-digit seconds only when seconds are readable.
12.08
